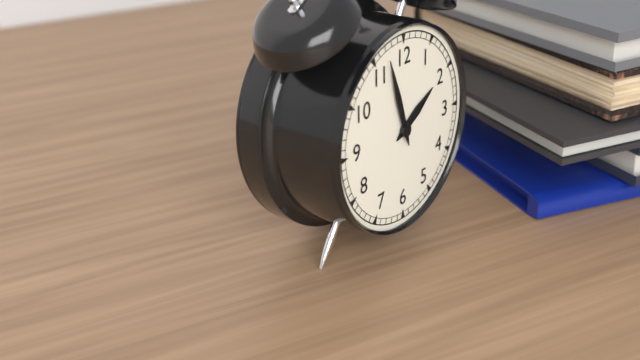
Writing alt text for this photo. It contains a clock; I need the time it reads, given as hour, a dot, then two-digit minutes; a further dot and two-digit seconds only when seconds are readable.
1.57
